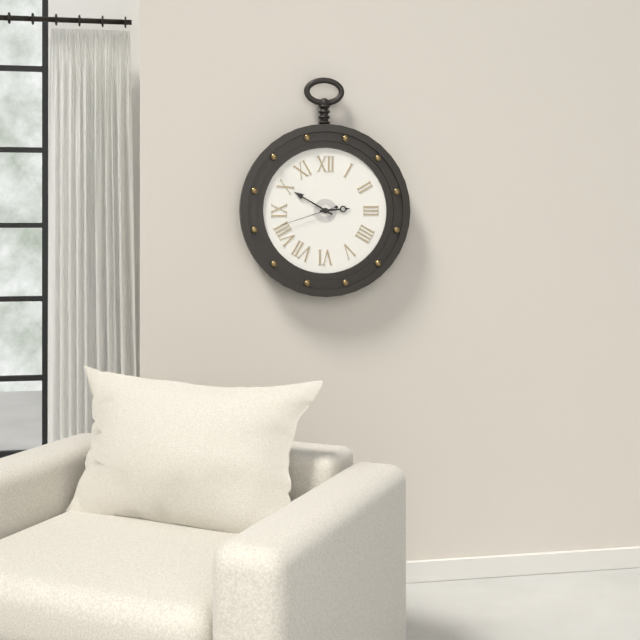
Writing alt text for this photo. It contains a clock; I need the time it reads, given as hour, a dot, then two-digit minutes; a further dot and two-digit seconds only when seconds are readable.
2.50.42
